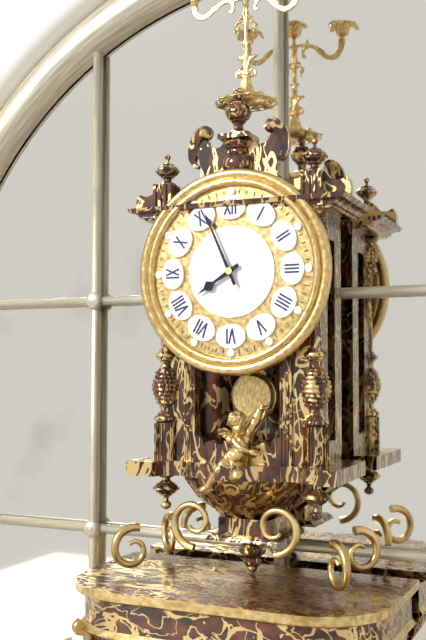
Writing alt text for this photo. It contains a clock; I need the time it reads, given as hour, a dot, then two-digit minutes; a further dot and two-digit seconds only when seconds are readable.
7.56
